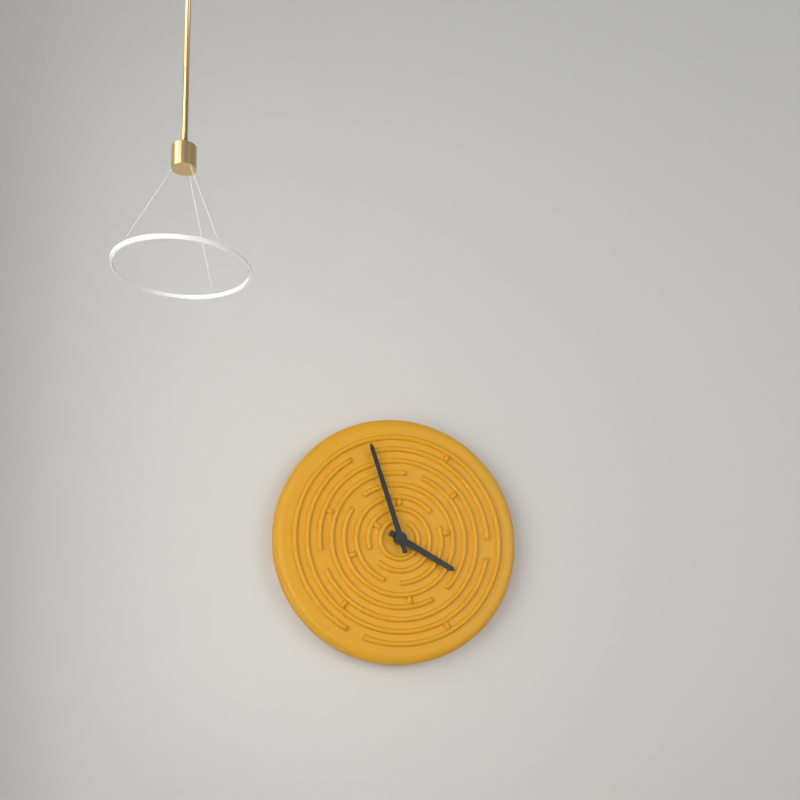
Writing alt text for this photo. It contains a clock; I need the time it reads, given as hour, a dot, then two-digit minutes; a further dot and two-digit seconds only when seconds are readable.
3.57
